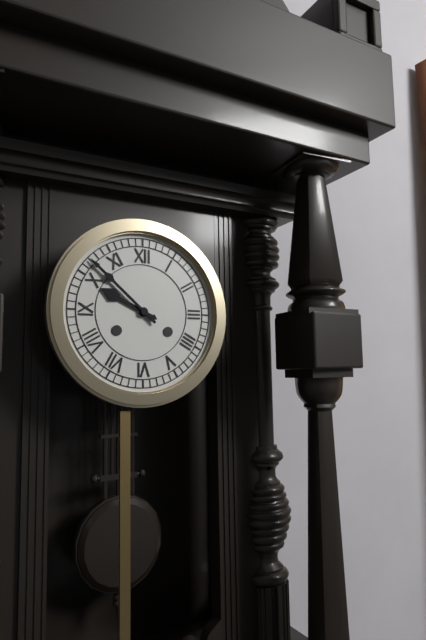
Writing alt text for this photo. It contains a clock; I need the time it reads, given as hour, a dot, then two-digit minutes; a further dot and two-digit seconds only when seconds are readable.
9.52
